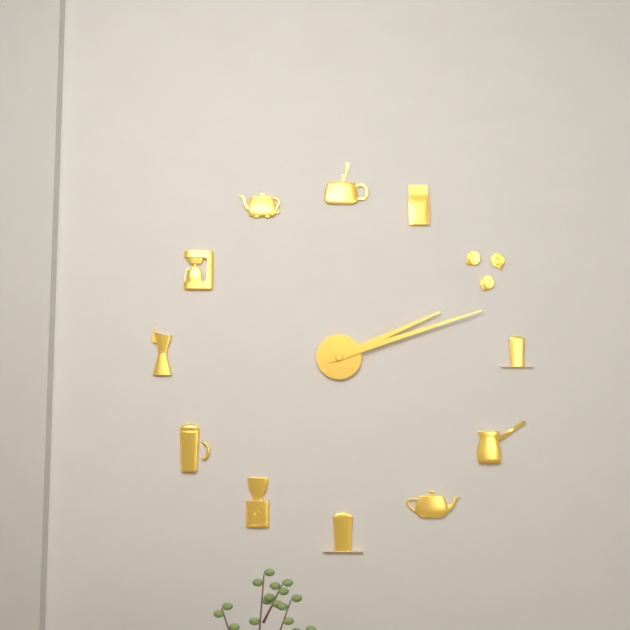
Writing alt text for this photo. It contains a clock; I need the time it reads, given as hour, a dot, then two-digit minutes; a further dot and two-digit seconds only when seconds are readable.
2.12
